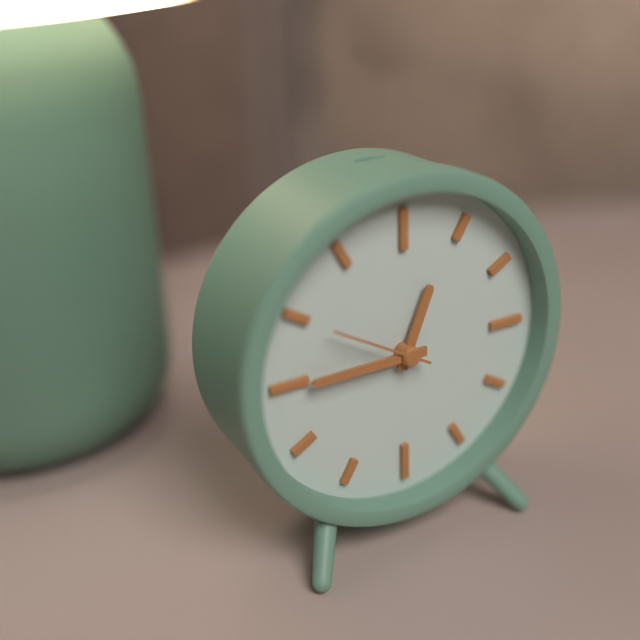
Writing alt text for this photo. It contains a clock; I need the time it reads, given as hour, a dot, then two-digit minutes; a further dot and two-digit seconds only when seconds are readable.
12.45.50
